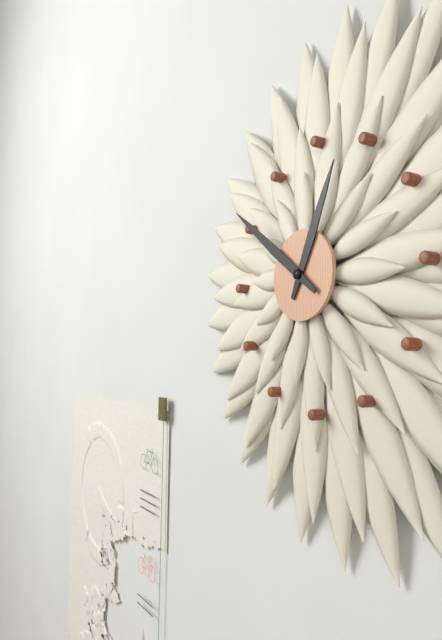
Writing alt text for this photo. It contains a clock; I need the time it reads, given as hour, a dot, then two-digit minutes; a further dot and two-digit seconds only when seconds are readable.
12.51
